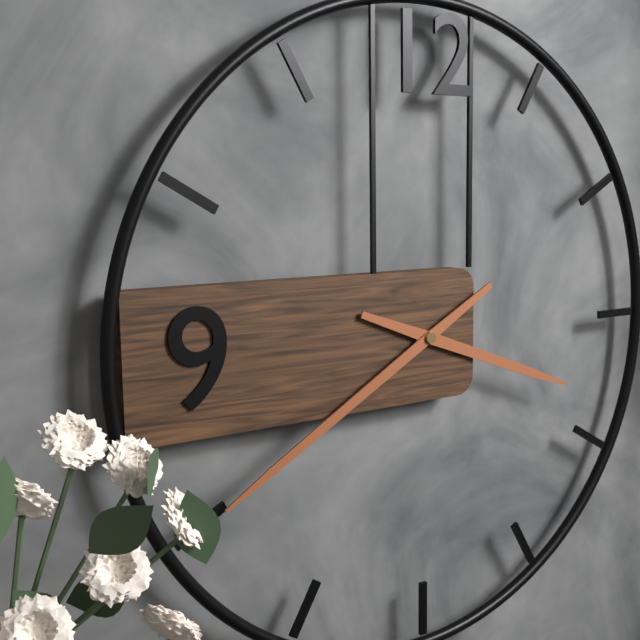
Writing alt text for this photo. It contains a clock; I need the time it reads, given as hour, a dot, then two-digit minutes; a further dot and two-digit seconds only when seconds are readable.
3.40
